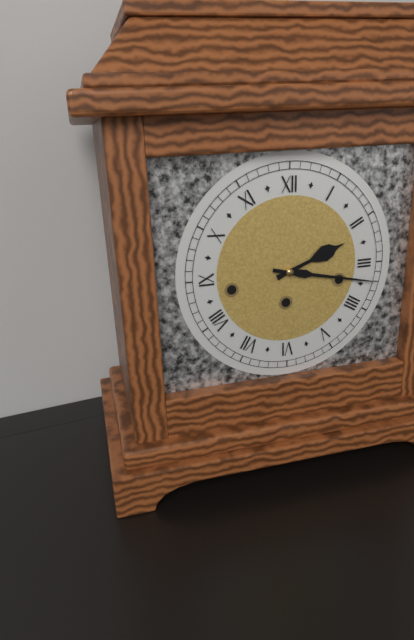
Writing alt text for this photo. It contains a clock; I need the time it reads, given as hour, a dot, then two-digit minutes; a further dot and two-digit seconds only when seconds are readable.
2.17
